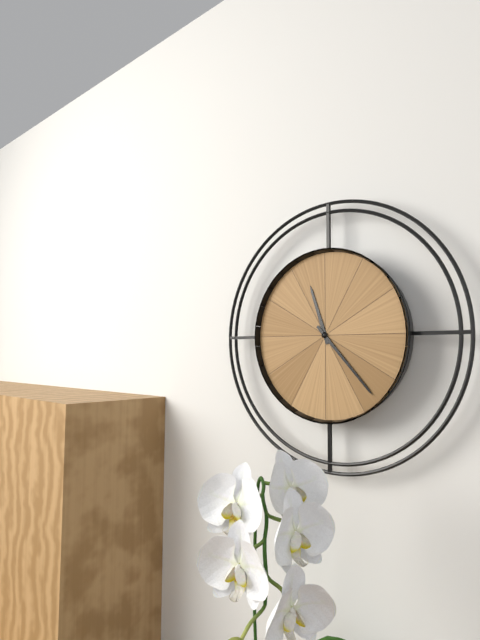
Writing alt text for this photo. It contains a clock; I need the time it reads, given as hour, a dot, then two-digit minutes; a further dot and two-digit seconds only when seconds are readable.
11.23
